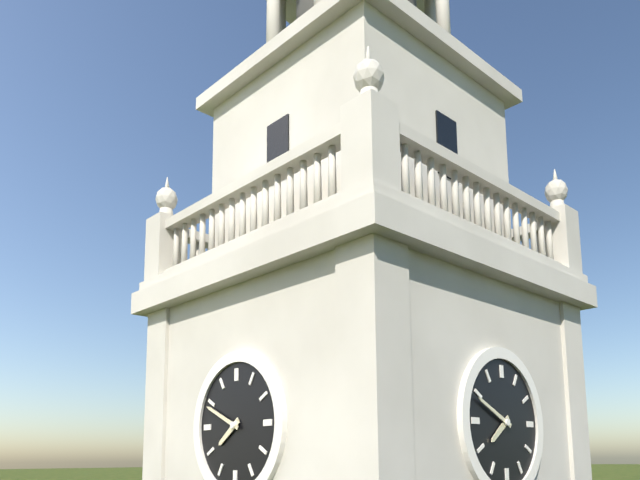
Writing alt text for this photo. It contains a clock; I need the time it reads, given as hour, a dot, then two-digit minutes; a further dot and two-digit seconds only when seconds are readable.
7.49
